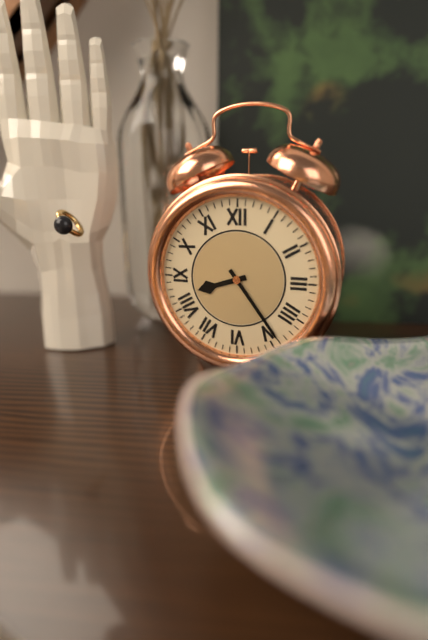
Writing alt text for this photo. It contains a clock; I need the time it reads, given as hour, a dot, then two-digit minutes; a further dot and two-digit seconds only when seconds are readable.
8.24
